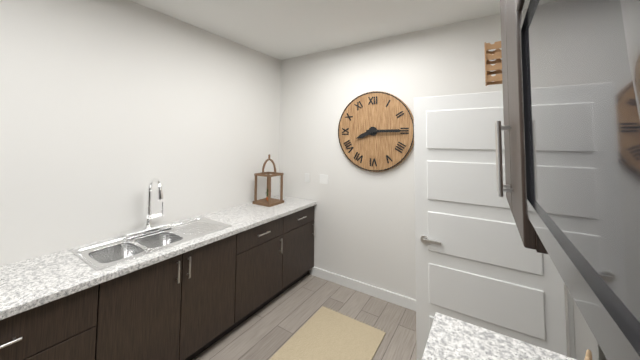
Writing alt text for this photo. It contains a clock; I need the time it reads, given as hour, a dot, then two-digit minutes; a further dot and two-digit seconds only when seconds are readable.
8.15
